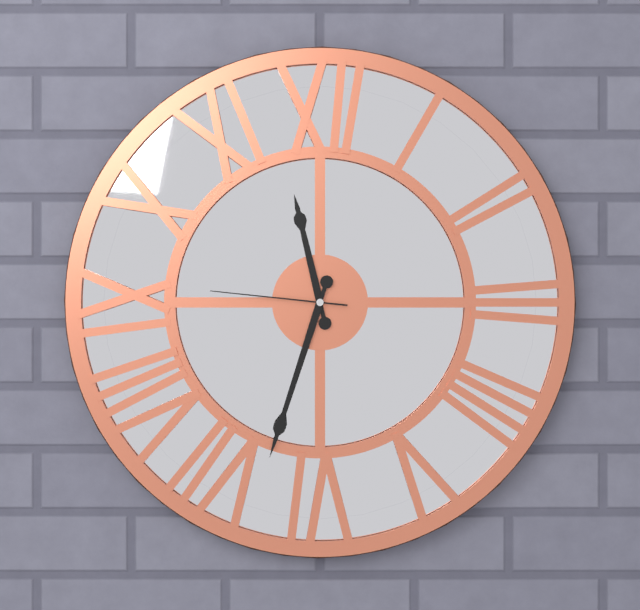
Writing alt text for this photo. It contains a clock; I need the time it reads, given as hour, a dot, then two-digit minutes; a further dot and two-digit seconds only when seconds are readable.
11.33.46
